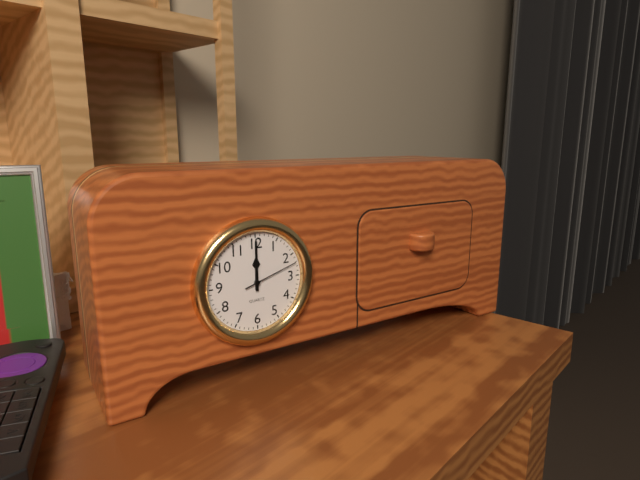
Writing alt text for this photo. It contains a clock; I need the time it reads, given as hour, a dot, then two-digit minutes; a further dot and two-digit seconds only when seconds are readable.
12.00.12
